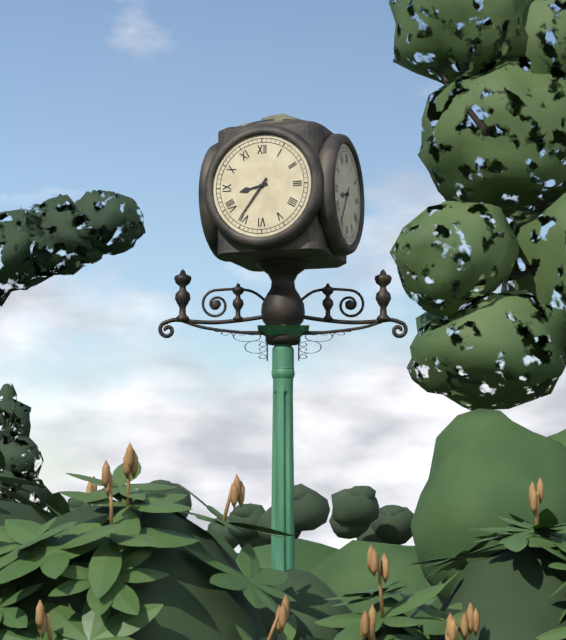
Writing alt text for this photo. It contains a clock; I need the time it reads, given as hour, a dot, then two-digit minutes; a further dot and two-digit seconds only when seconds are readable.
8.36
